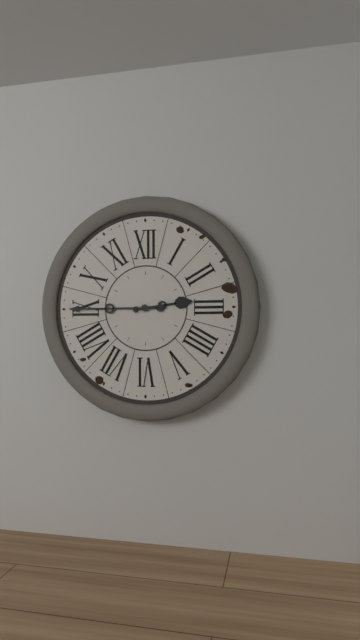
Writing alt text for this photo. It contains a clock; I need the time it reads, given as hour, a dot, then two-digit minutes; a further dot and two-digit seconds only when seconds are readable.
2.45
